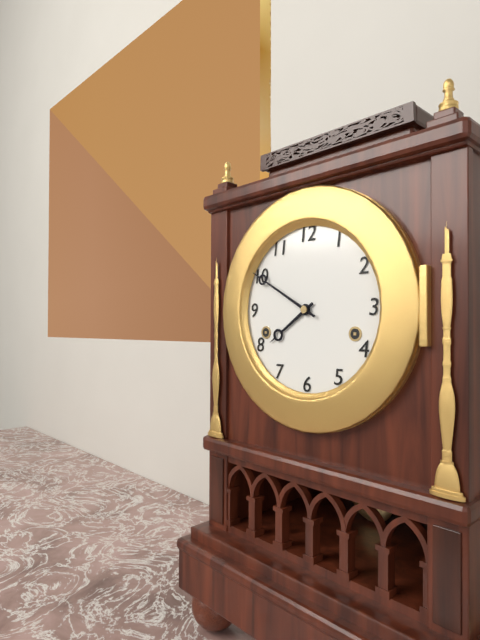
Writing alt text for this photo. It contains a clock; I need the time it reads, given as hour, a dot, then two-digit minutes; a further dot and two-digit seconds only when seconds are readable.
7.50
